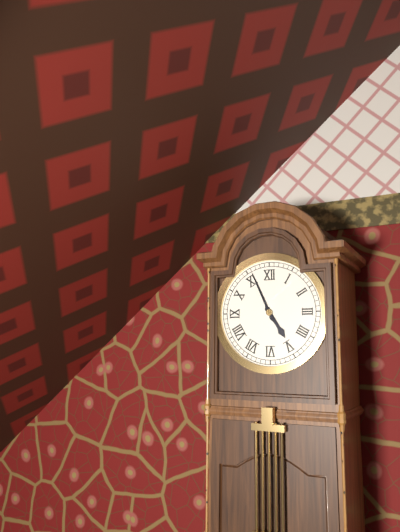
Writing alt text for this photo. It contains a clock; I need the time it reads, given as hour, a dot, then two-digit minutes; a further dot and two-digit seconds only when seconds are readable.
4.56
